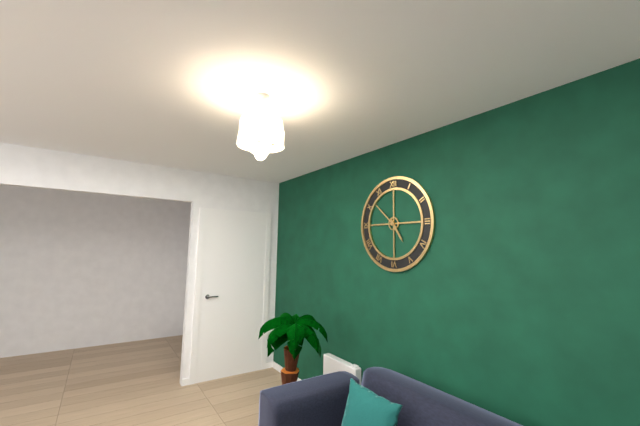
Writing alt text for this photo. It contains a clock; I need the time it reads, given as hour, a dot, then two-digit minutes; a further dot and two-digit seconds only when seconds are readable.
4.52
